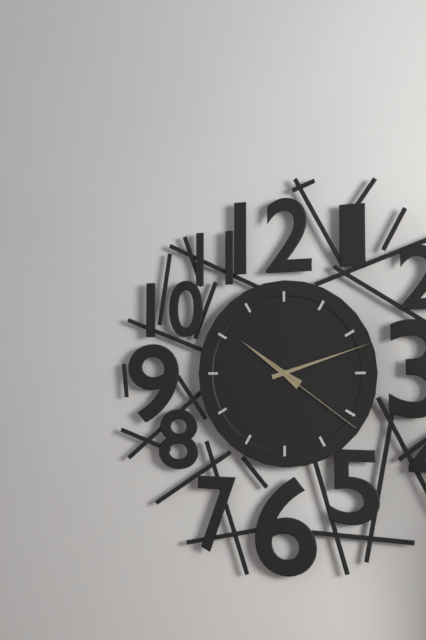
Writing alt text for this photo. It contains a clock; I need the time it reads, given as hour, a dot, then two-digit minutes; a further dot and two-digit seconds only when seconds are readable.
10.12.21
